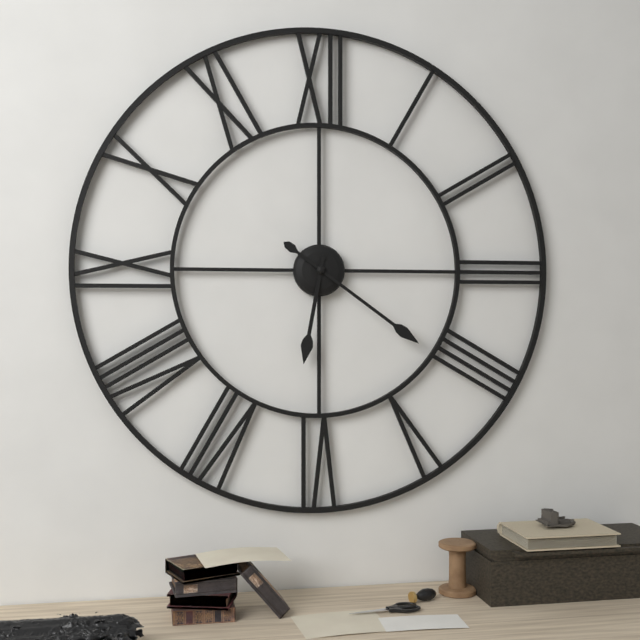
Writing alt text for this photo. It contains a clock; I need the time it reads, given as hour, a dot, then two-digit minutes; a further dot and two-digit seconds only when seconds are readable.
6.21
